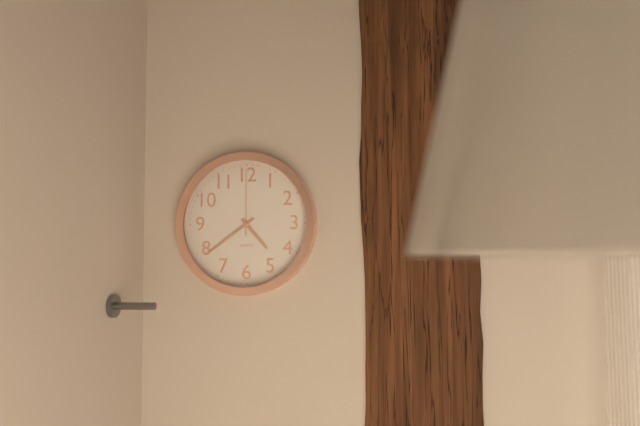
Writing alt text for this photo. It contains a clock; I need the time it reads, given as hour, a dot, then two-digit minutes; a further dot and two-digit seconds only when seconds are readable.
4.39.00
